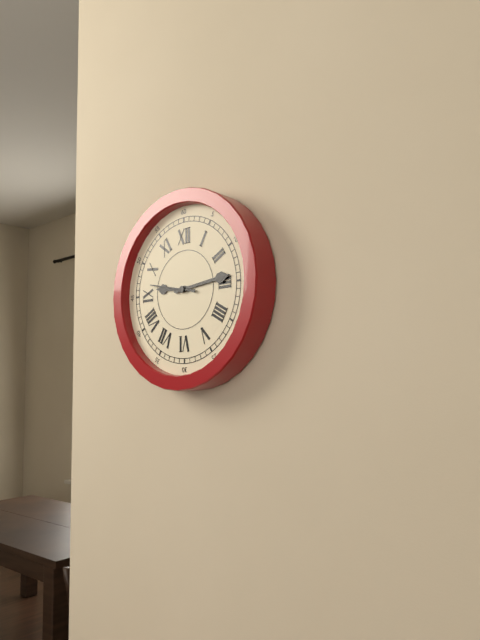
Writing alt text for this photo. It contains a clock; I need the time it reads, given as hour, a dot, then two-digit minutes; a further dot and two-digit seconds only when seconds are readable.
9.14
